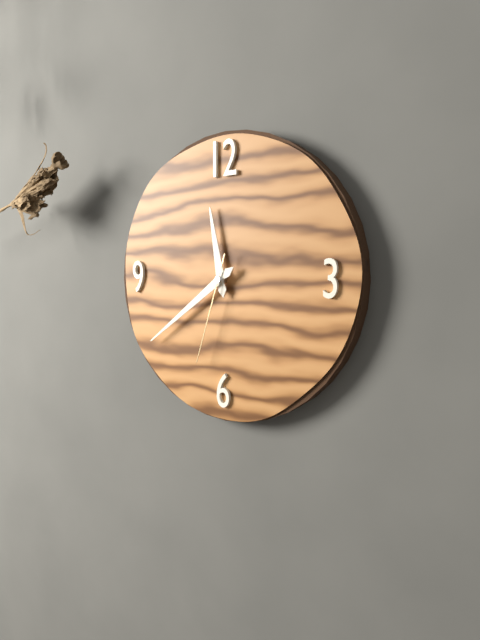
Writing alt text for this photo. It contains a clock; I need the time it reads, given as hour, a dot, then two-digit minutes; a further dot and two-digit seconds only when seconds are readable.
11.39.33
